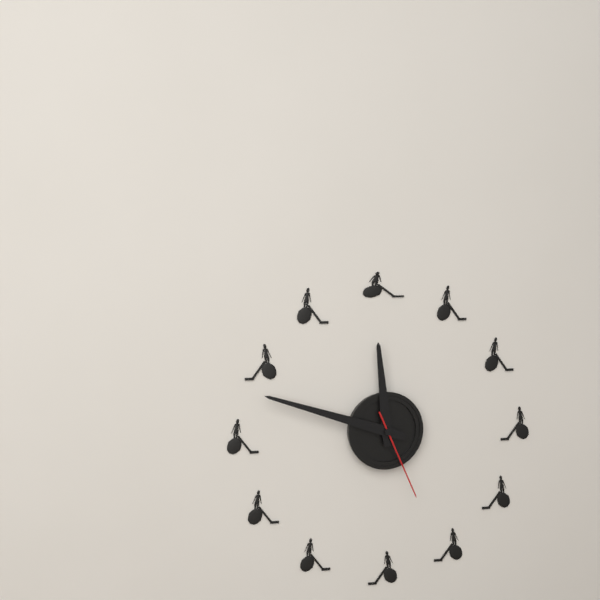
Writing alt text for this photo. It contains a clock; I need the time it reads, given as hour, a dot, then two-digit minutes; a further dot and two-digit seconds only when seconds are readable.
11.48.26
